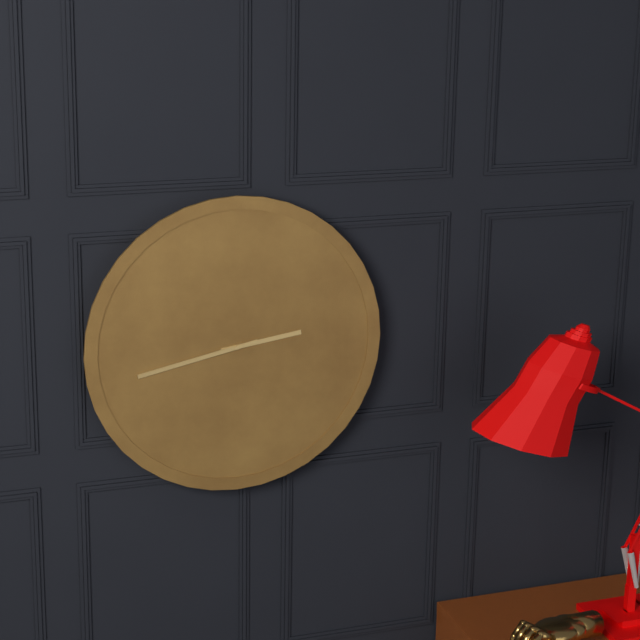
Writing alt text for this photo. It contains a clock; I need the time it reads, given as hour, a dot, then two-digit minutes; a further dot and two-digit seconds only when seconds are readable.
2.43
